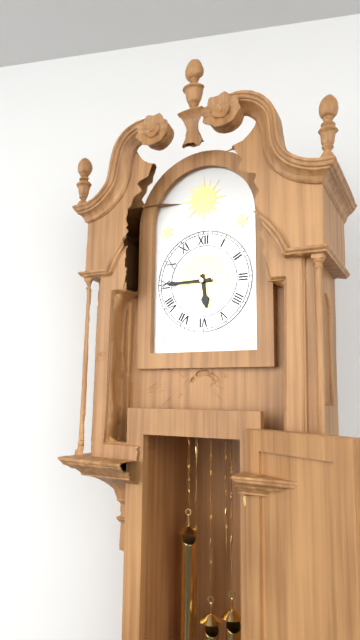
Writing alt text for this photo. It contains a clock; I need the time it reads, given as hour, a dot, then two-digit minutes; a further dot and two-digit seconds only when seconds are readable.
5.45
